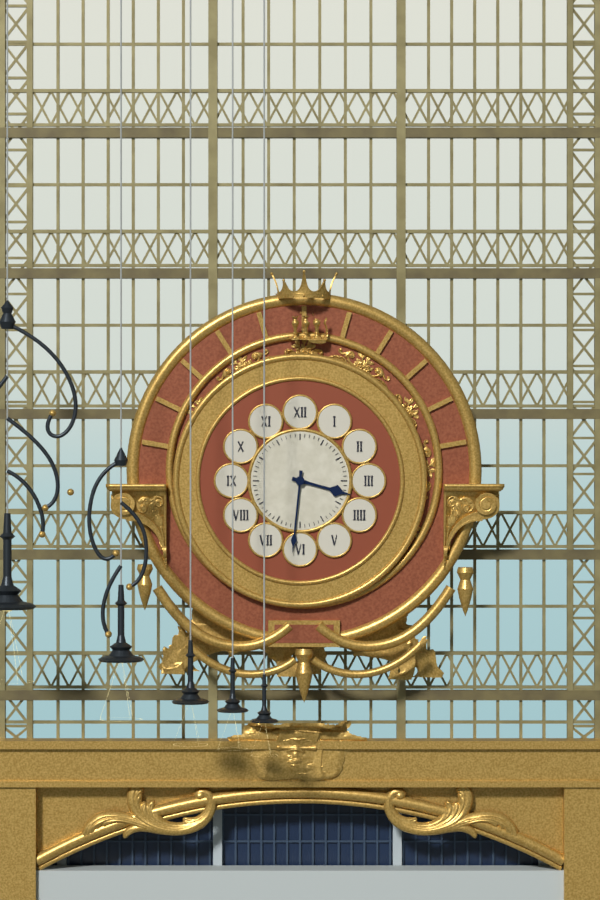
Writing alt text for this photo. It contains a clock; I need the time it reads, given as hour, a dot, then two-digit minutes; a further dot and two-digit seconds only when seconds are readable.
3.31
